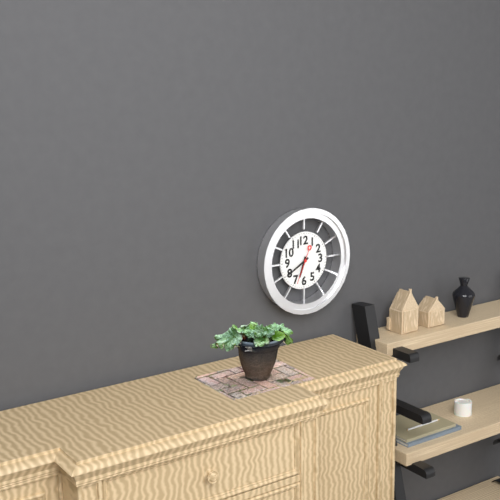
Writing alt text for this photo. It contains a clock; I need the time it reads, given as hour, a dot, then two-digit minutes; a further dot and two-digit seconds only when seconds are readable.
6.40
